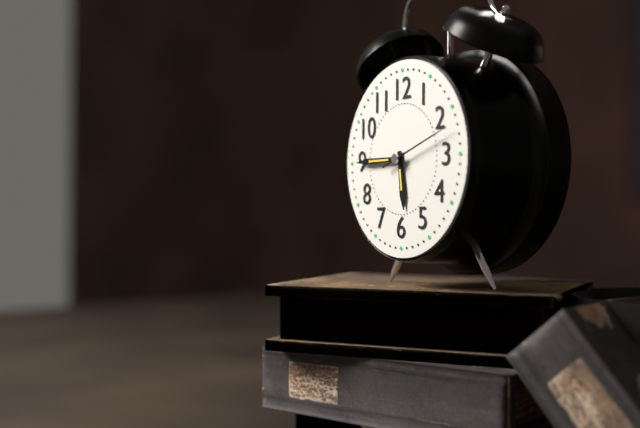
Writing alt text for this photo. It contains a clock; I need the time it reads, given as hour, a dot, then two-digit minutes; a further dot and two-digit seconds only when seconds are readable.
5.45.12
